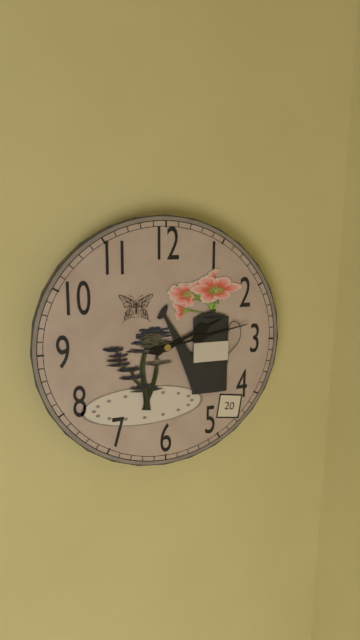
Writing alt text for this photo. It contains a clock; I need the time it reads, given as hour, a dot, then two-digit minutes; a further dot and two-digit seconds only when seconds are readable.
2.13
